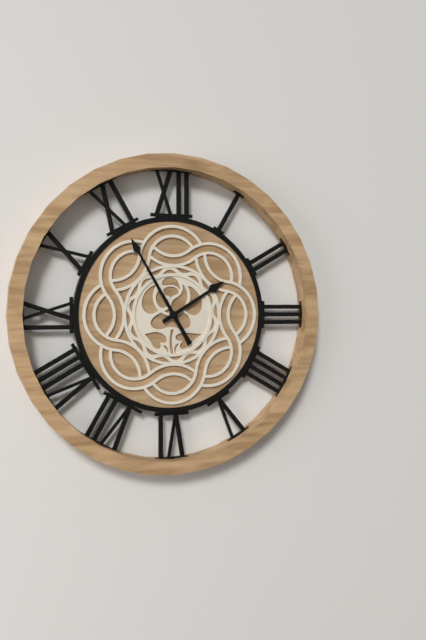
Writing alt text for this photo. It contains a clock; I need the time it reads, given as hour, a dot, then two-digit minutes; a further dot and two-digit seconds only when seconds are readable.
1.55
